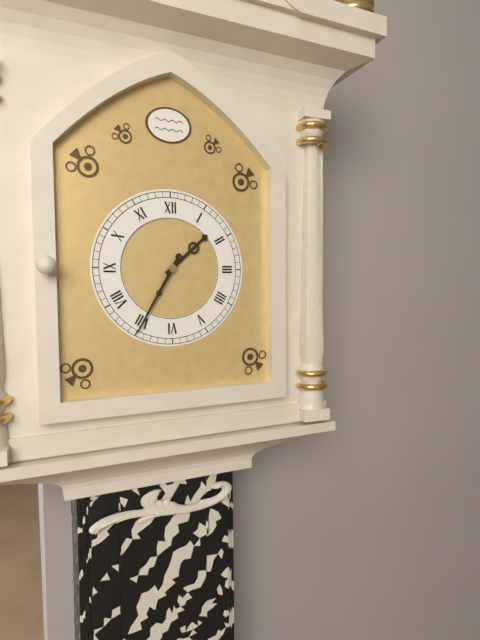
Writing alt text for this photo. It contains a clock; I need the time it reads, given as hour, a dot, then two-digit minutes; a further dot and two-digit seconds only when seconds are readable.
1.35
